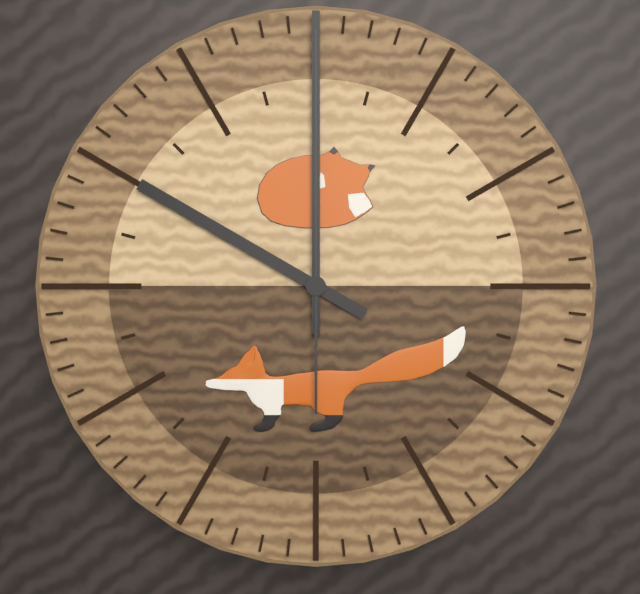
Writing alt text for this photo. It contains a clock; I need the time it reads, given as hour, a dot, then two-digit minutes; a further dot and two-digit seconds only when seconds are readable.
10.00.00
